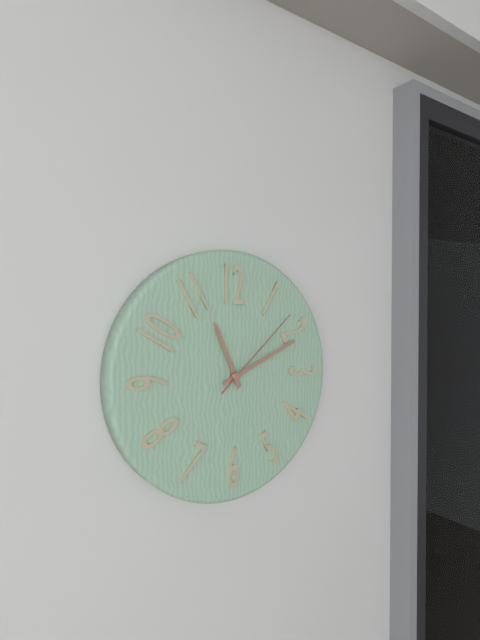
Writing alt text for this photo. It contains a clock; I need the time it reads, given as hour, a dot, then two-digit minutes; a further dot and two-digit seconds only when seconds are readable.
11.11.08
